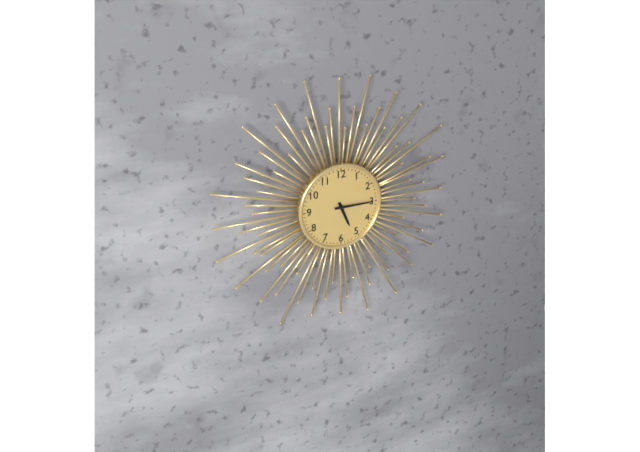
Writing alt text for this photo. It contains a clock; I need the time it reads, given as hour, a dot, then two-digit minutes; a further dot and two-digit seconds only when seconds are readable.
5.15
